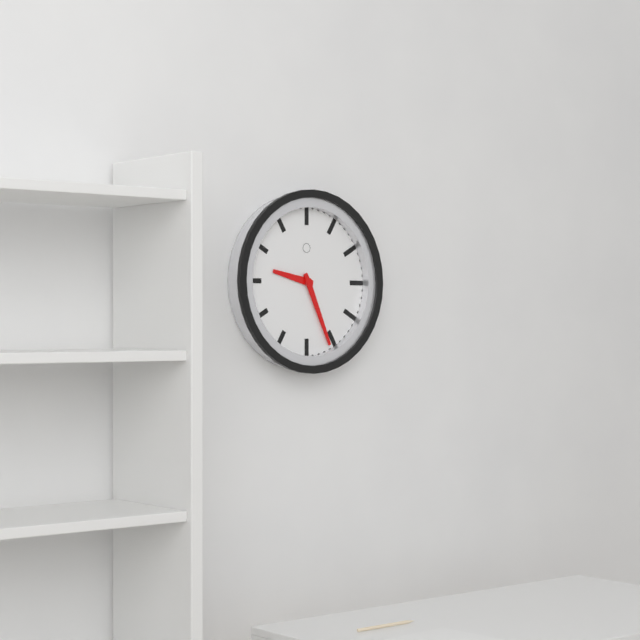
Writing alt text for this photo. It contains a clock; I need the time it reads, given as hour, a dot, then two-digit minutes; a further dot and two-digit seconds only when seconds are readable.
9.26
